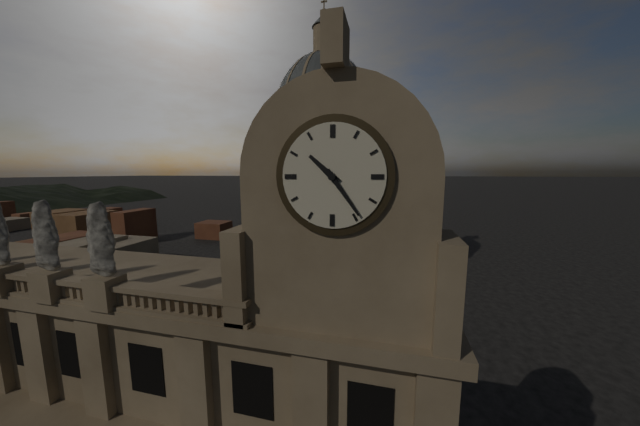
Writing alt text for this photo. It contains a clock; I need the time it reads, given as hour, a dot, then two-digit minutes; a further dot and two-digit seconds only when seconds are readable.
10.24
